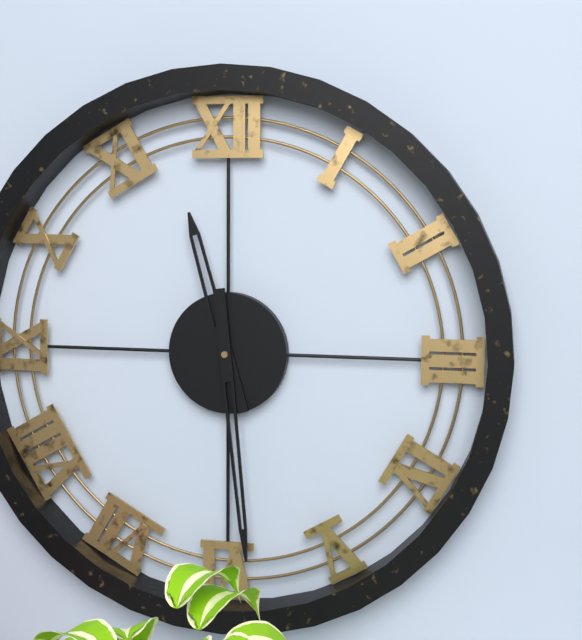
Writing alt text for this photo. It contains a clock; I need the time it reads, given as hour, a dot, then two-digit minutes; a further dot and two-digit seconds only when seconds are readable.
11.29
